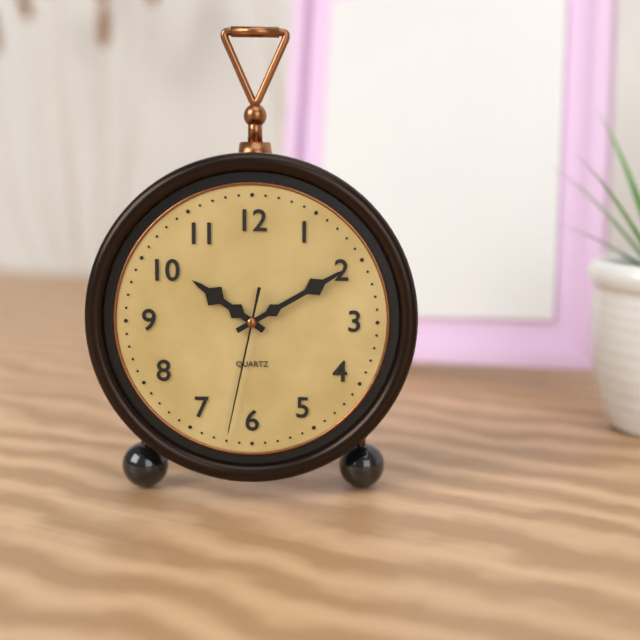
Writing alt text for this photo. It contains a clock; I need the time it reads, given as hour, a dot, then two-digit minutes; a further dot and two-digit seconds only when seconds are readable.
10.10.32
